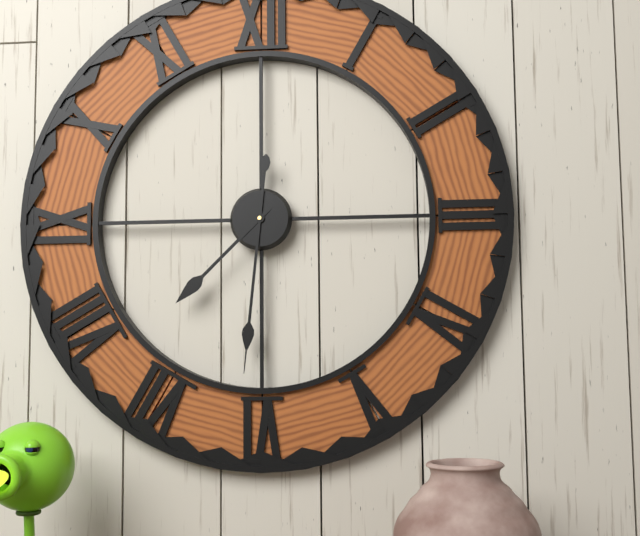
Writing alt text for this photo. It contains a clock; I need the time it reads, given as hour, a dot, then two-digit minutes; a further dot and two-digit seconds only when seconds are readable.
7.31
